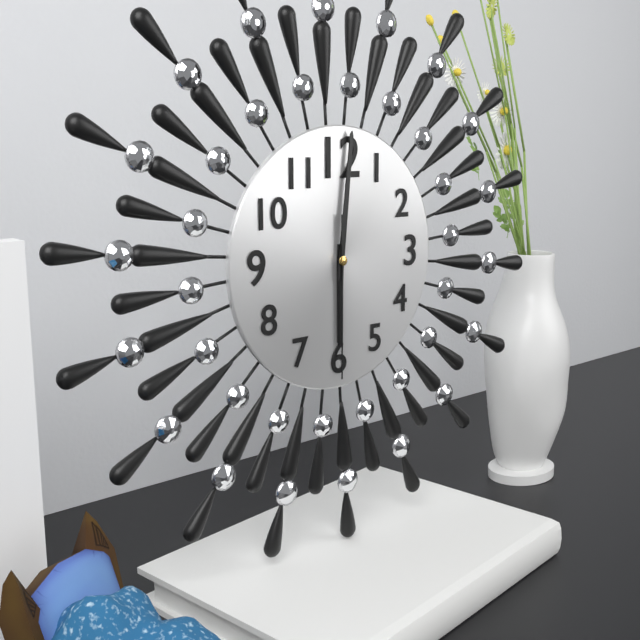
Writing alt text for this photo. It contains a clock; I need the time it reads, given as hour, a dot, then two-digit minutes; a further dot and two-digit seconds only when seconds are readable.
6.01.30
